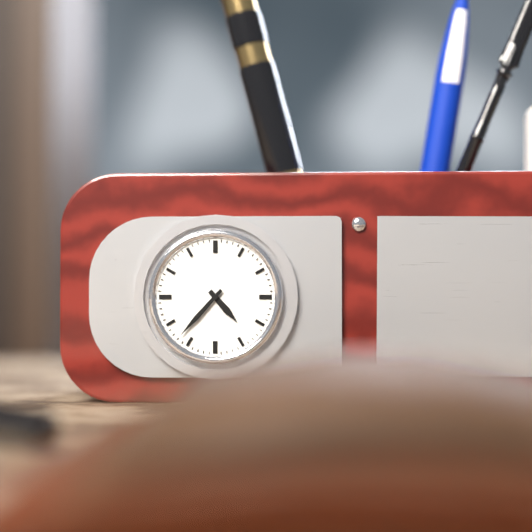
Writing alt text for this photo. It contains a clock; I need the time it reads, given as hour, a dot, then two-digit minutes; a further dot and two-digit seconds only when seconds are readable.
4.37
